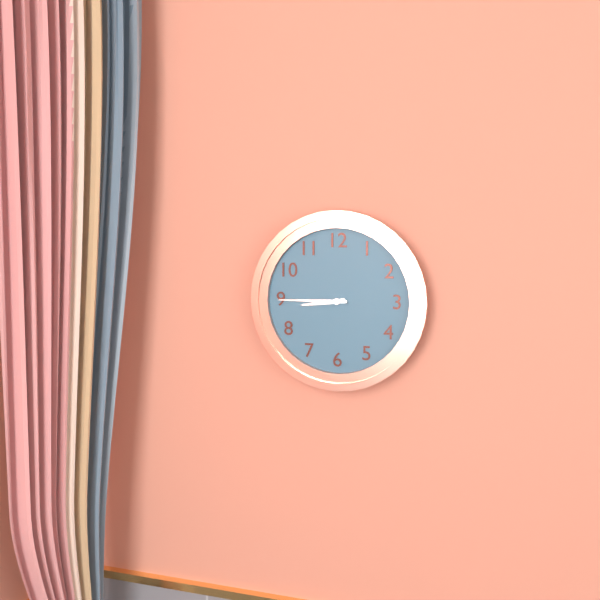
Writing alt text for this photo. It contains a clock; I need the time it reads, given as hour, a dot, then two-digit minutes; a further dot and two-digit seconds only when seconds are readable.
8.45
